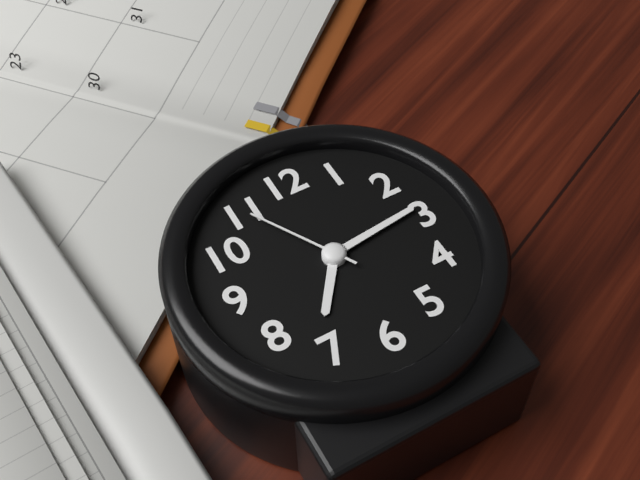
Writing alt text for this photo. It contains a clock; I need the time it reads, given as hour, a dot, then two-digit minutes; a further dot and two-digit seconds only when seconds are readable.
7.14.55
